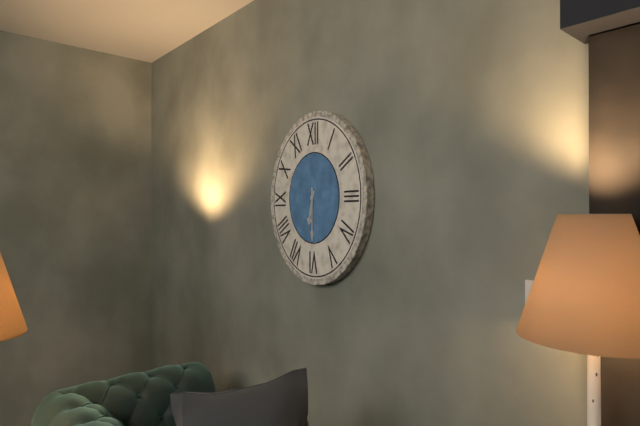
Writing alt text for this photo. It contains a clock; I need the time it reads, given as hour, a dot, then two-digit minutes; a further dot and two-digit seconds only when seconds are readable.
6.30
